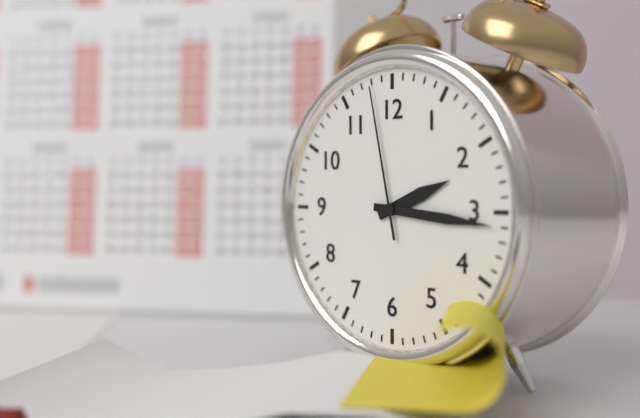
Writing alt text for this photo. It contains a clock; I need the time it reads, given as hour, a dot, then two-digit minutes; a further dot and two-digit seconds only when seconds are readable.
2.16.58
